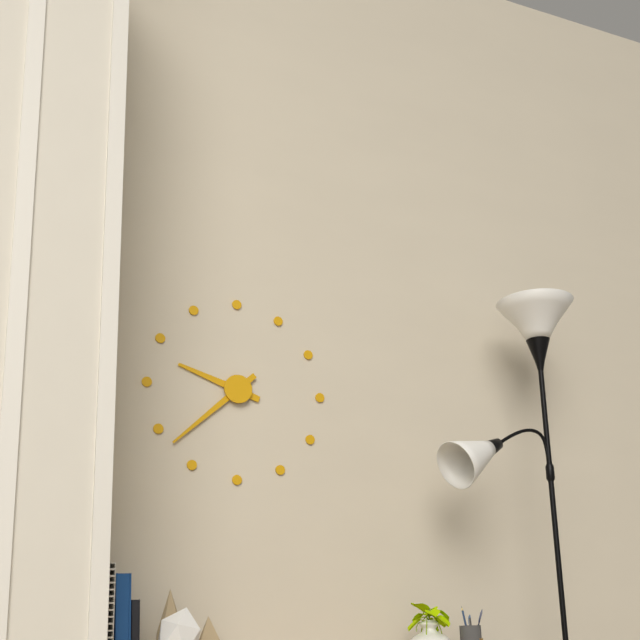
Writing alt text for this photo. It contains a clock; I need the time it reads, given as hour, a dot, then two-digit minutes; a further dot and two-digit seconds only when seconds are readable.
9.38
